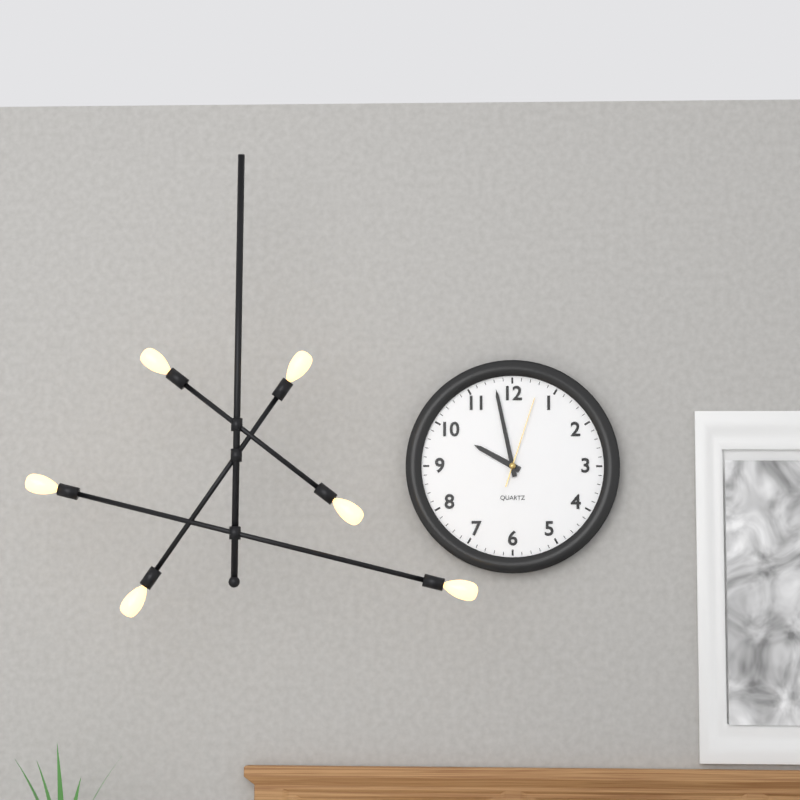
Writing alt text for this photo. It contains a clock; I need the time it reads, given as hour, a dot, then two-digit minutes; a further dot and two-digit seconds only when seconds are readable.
9.58.03
